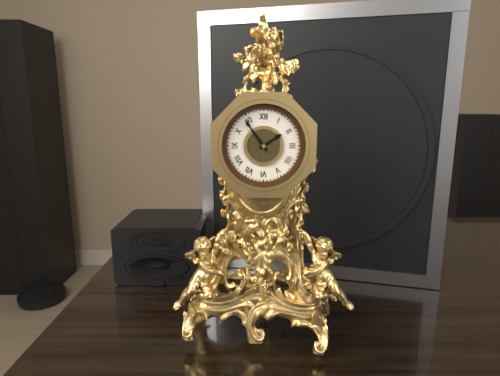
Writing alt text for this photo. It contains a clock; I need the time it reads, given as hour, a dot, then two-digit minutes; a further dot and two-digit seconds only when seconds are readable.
1.54
